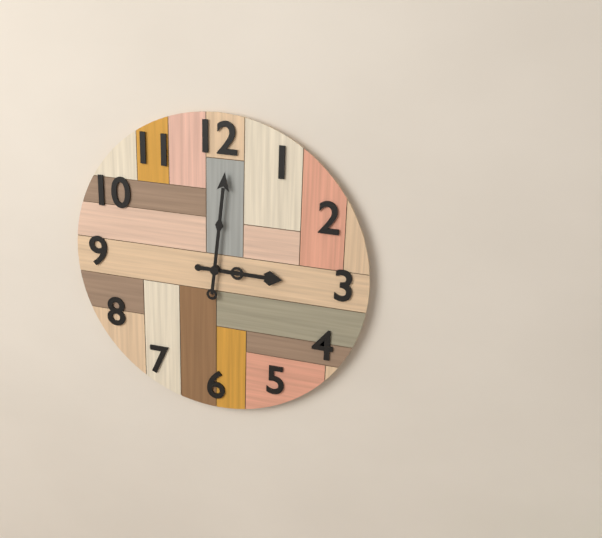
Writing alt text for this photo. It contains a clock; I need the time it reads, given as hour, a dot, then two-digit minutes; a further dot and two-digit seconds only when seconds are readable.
3.01
